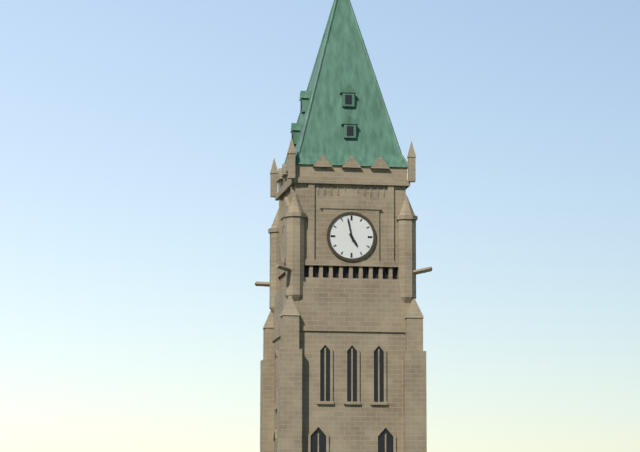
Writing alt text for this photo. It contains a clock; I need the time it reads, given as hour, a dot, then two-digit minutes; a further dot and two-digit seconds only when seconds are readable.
4.58
